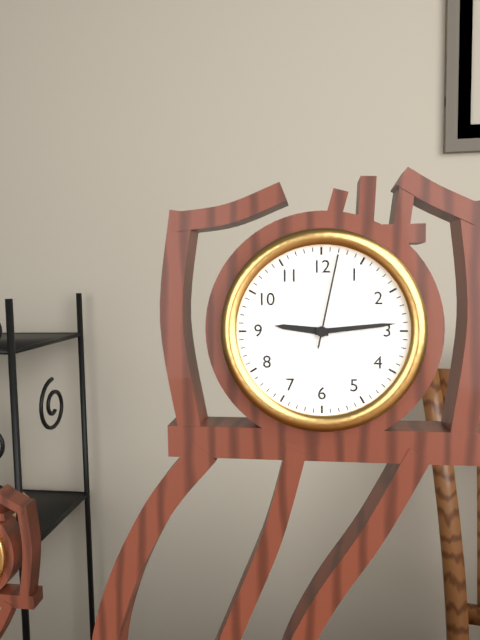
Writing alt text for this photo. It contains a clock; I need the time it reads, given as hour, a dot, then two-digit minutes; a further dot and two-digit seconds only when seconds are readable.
9.14.02
